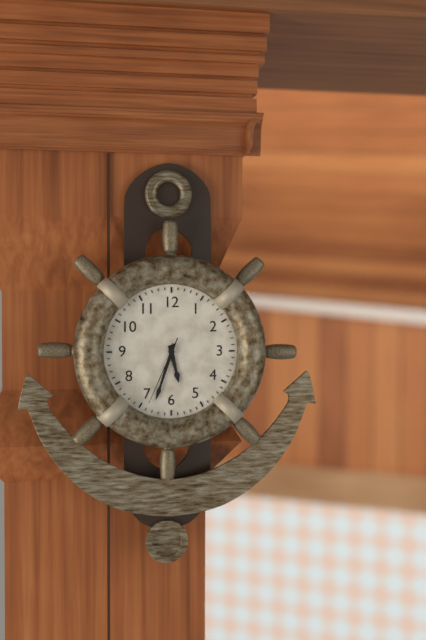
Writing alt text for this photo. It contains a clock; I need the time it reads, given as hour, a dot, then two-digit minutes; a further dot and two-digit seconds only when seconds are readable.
5.33.34
